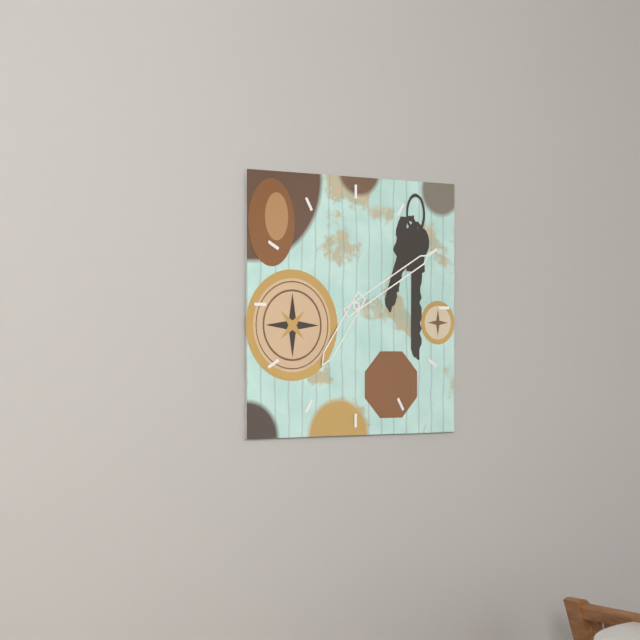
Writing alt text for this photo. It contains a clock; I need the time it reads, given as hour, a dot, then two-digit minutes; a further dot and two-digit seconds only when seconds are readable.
7.10
